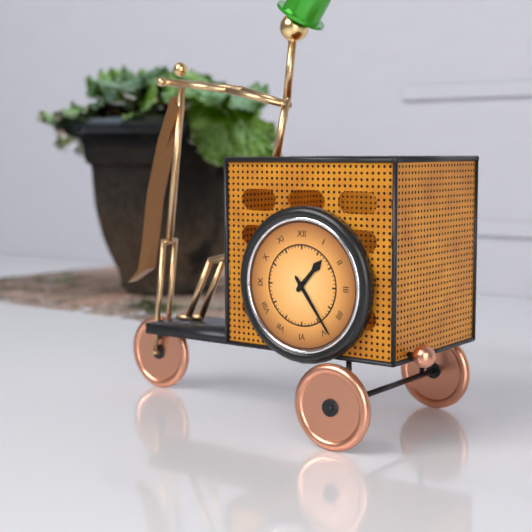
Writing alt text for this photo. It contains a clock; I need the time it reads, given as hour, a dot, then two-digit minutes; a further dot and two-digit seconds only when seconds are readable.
1.24
